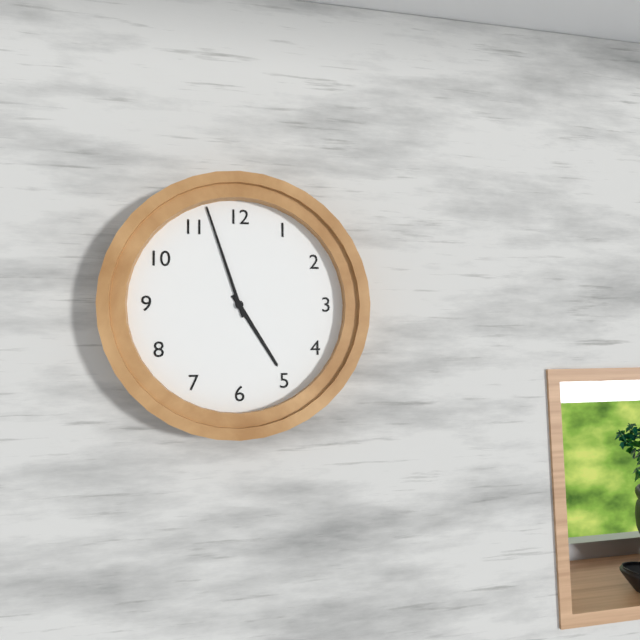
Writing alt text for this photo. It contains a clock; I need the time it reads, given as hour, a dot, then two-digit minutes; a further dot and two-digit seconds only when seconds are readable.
4.57
